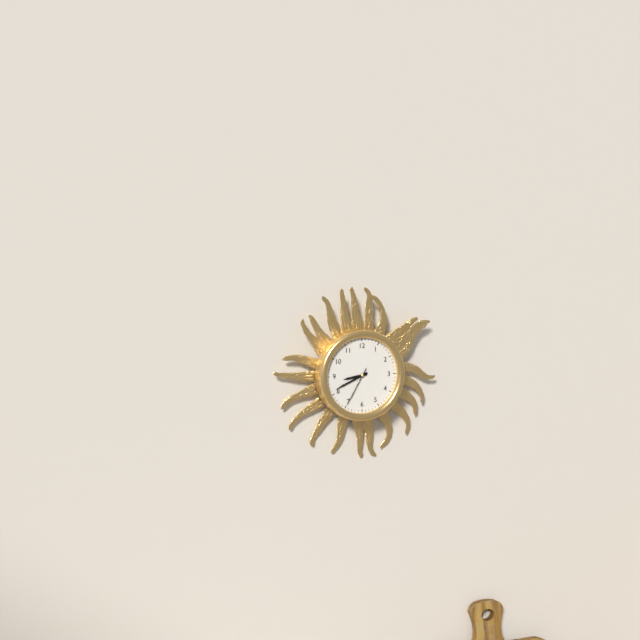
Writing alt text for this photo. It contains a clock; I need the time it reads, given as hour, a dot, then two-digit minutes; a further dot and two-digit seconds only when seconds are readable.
8.41
